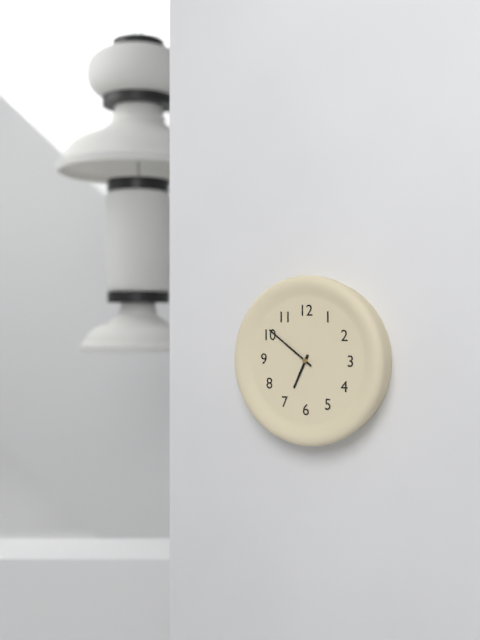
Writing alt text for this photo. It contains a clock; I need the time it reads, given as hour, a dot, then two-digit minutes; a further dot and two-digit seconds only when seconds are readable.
6.51
